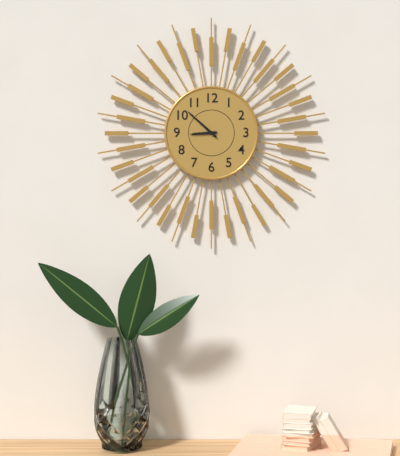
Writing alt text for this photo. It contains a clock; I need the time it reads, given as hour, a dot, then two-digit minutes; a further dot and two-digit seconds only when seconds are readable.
8.52
